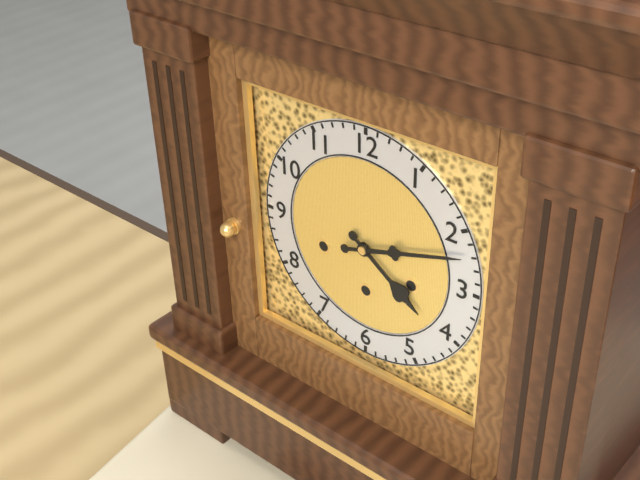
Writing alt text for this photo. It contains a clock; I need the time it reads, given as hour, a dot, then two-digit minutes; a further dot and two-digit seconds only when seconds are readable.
4.12
